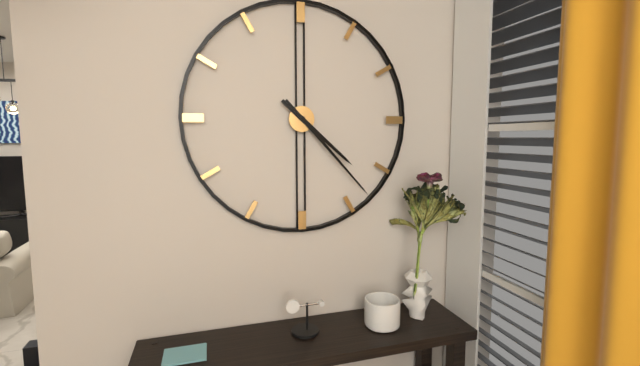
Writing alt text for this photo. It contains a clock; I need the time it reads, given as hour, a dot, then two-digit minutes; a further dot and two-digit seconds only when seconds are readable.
4.23
